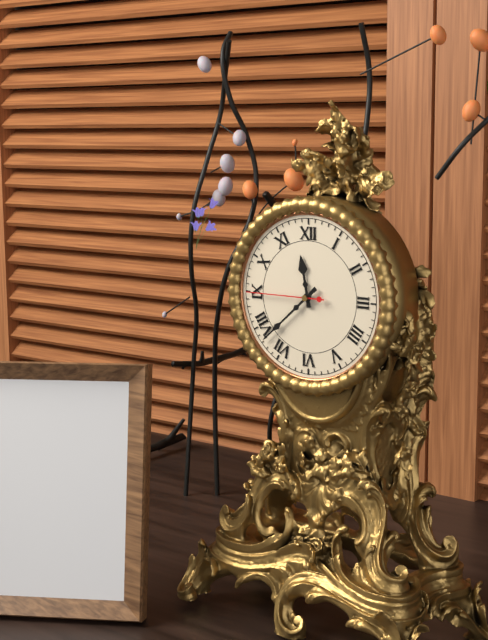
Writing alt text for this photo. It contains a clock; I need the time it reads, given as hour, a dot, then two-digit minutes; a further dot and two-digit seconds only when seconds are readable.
11.38.45
